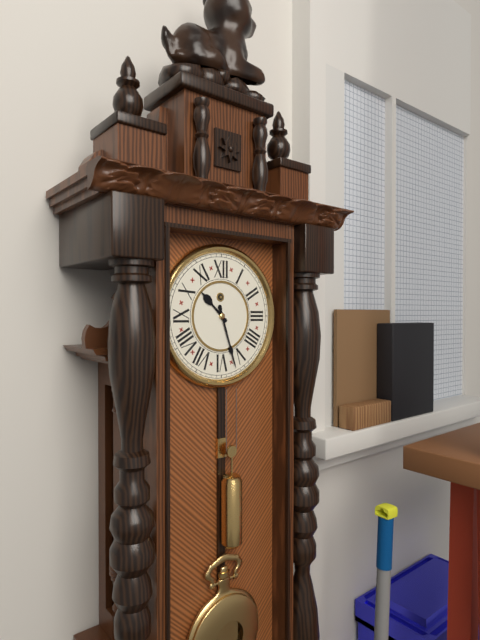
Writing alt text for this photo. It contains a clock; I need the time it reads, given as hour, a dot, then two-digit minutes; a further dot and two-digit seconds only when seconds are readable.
10.27
